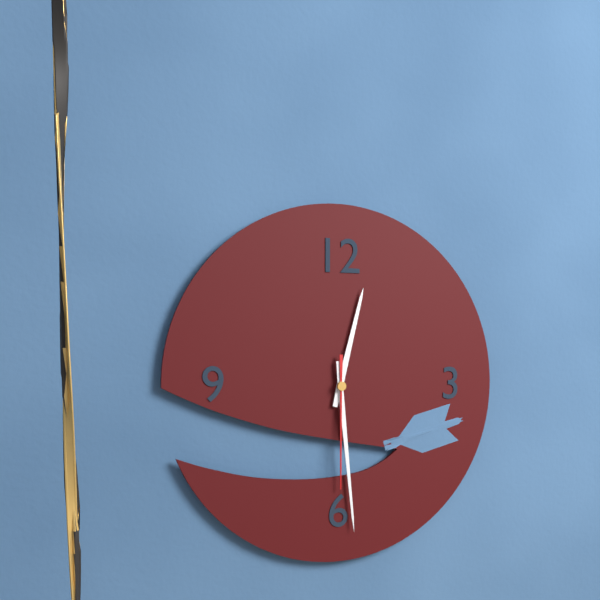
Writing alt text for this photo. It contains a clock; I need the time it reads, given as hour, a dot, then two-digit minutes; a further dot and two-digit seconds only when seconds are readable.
12.29.30
